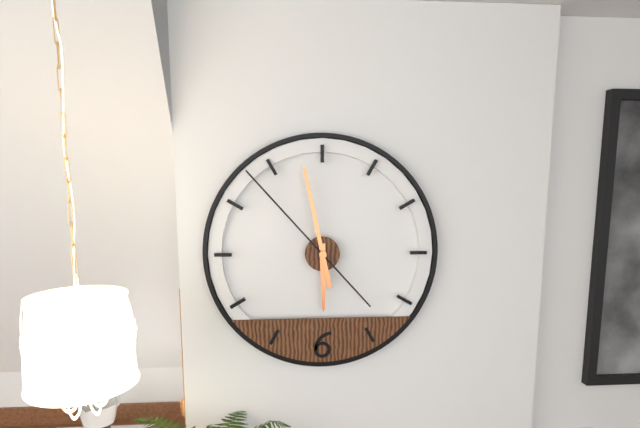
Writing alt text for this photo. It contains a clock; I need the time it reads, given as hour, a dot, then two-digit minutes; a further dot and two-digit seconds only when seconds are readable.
5.58.53
